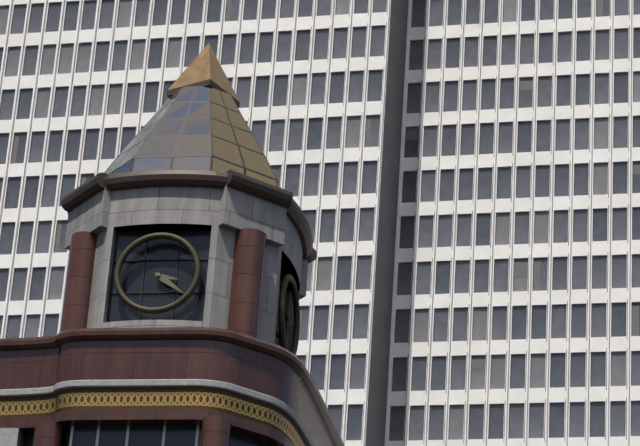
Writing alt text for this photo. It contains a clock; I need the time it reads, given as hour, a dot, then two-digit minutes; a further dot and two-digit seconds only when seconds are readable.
3.21
